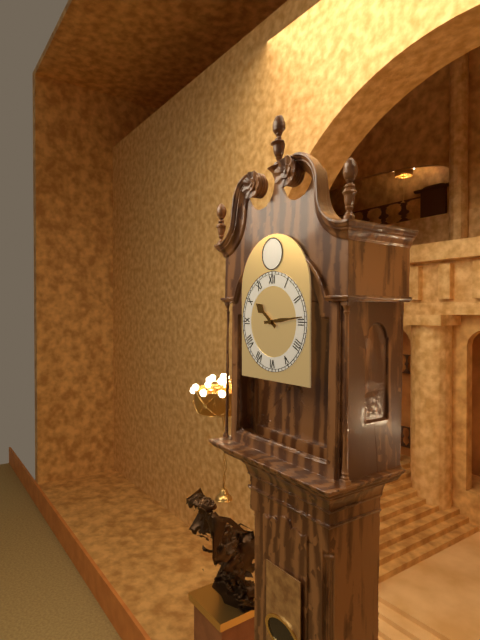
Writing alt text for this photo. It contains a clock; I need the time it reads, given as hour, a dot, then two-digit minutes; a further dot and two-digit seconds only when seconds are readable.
10.14
